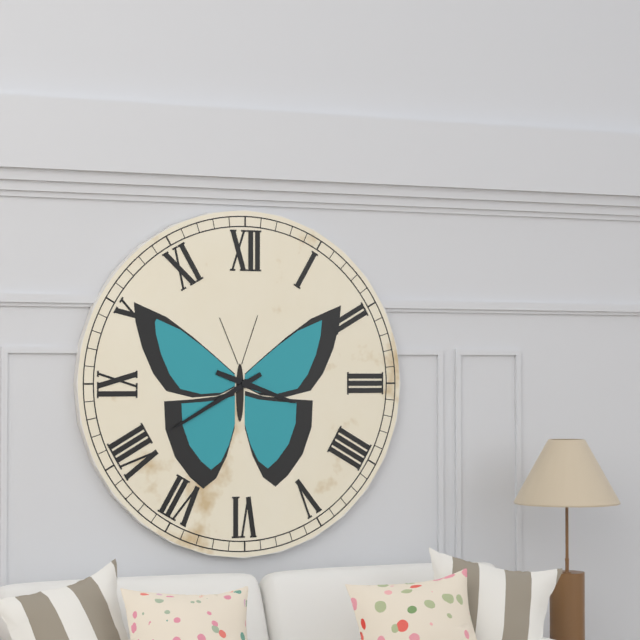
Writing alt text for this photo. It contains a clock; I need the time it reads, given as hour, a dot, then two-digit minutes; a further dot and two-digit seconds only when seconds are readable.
3.40
